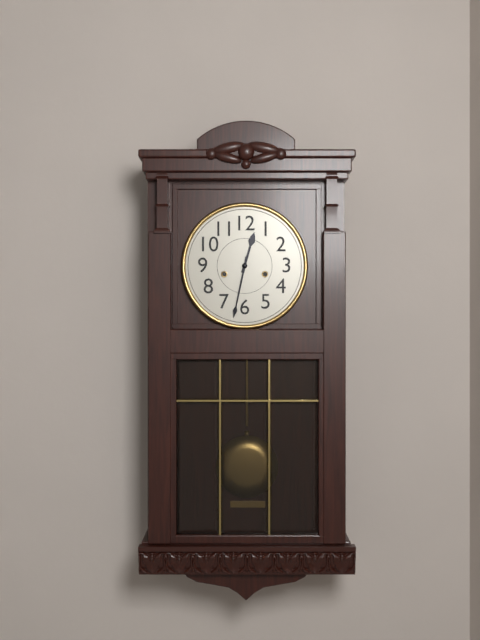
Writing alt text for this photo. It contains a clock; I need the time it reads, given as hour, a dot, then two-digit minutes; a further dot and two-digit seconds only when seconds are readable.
12.32
